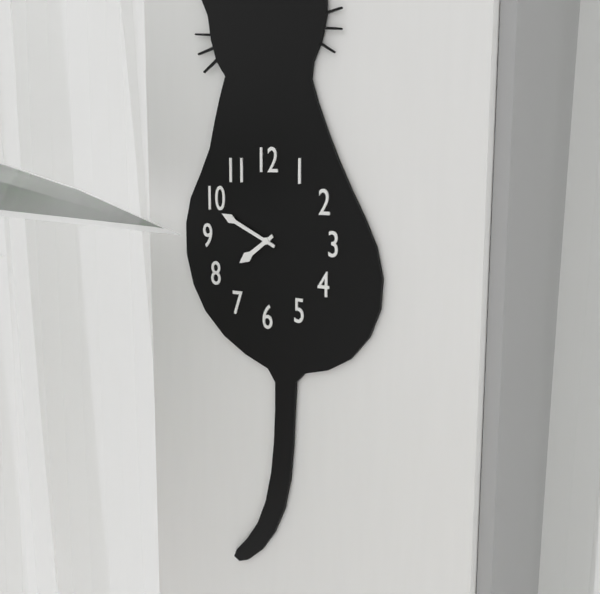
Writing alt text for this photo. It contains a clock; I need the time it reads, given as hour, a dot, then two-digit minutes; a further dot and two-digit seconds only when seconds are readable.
7.49
